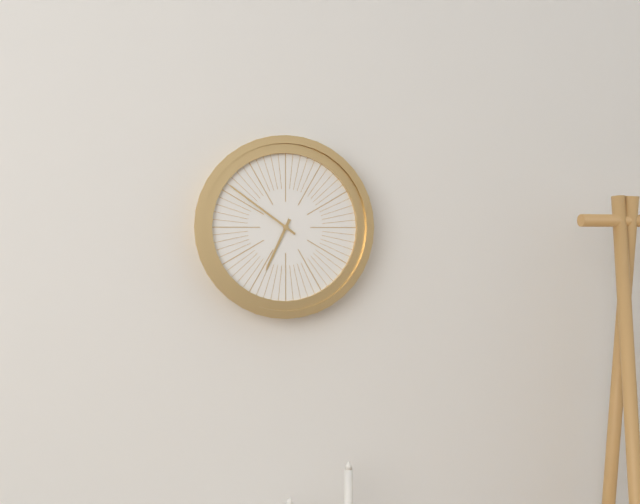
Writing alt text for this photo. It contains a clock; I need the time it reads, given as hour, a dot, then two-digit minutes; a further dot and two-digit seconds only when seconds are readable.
6.51
